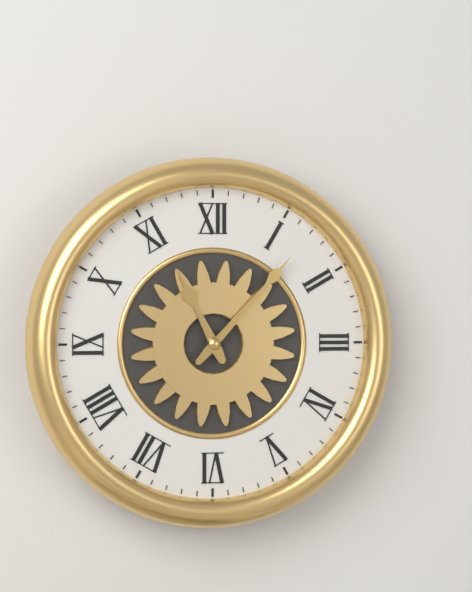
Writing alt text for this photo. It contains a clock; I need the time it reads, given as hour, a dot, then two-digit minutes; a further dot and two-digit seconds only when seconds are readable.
11.07
